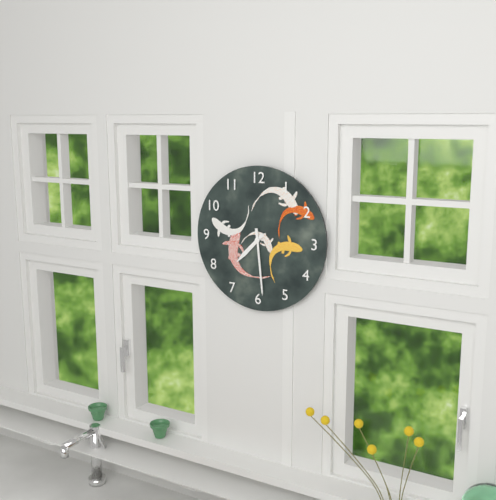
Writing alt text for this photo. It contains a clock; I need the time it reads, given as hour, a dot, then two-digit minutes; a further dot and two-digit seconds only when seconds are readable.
7.29
